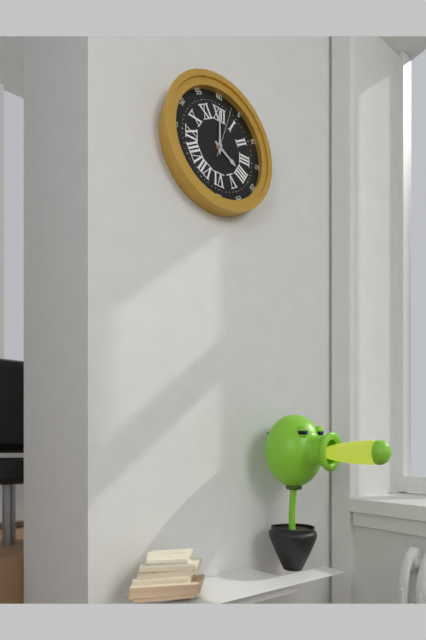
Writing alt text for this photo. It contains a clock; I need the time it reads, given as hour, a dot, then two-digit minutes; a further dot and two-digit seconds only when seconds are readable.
4.00
